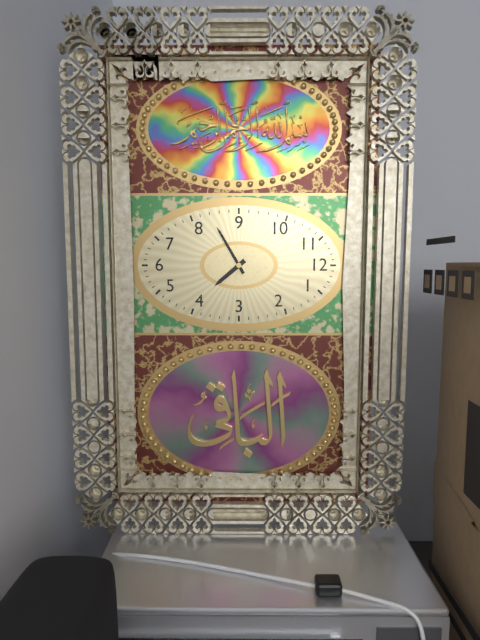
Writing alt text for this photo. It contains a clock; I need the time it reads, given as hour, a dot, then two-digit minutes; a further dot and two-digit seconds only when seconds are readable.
4.40
